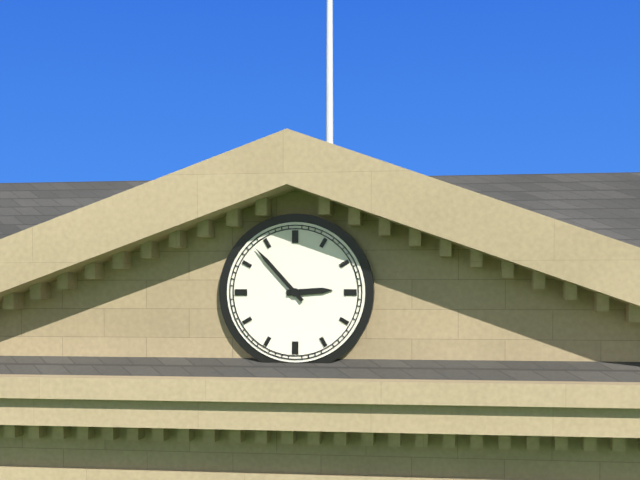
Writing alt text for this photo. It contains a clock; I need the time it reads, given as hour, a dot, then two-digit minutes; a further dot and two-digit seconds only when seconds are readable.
2.53
